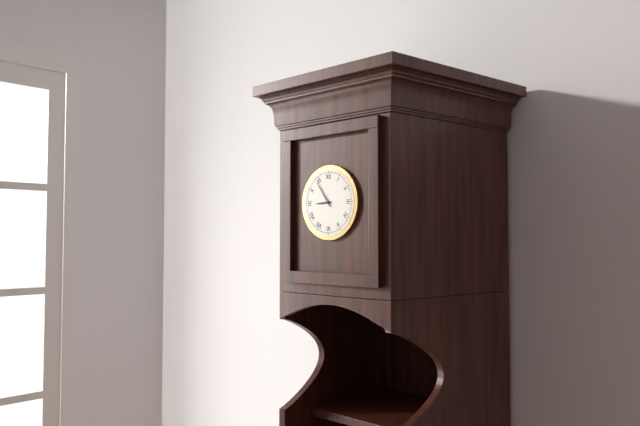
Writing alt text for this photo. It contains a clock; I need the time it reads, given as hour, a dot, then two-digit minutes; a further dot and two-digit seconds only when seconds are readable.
8.54
